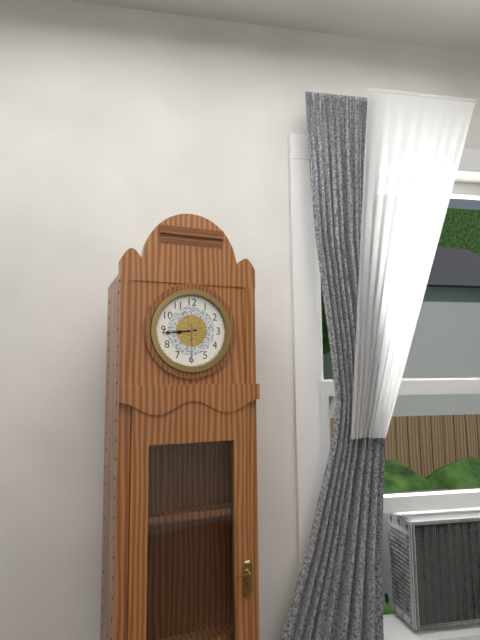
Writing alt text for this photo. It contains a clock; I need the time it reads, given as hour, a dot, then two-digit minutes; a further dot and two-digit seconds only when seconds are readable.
8.44
